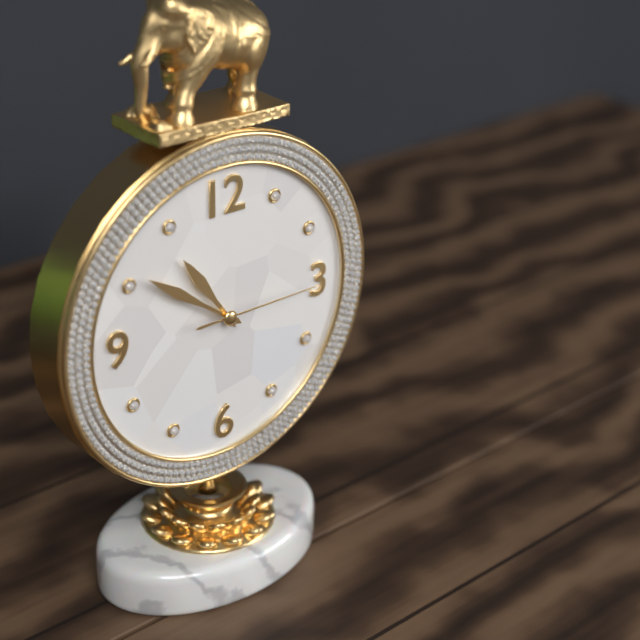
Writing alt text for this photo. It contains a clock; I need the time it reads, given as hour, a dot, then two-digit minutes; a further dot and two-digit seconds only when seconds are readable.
10.51.15
